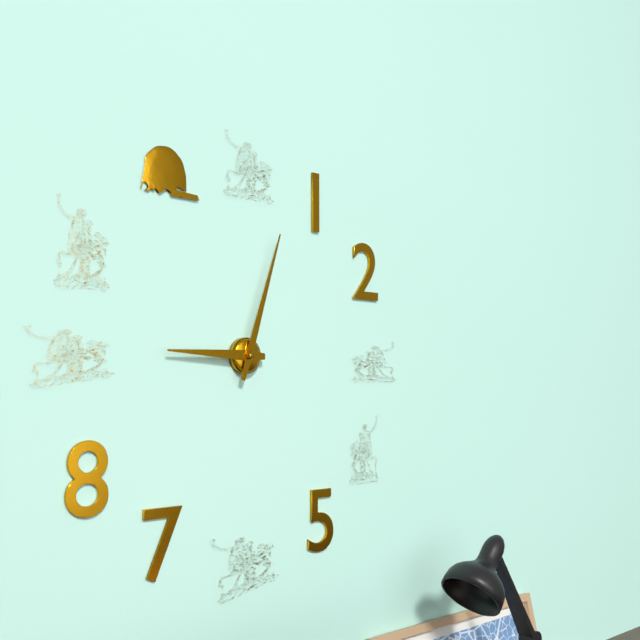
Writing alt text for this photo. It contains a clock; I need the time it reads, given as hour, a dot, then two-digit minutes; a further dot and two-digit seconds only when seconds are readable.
9.03
